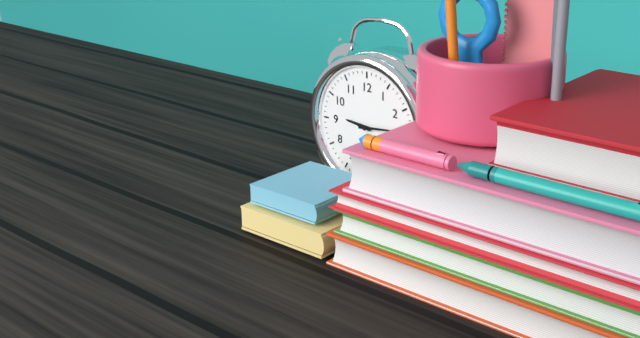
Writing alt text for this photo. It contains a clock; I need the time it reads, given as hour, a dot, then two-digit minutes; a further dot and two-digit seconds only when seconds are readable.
9.14
